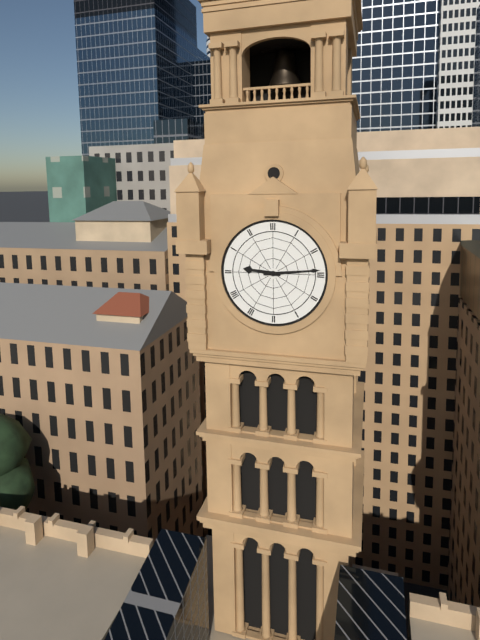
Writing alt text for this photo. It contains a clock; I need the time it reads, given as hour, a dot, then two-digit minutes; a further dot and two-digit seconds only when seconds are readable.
9.14
